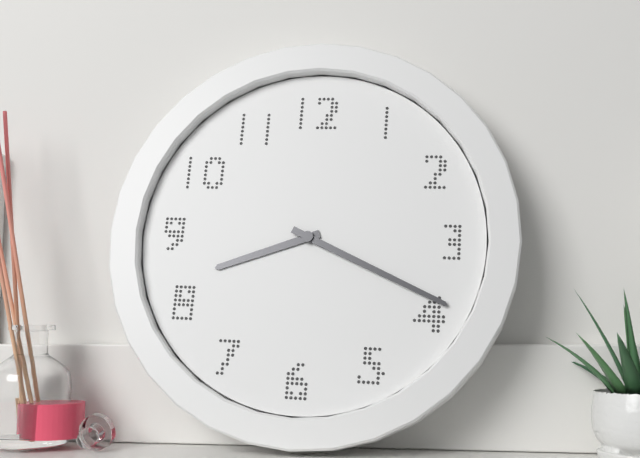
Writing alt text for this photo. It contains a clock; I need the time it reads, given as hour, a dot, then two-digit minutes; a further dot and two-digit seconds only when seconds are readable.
8.19
